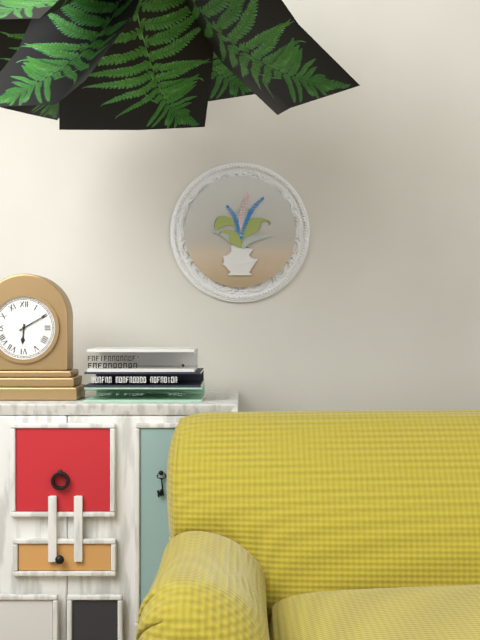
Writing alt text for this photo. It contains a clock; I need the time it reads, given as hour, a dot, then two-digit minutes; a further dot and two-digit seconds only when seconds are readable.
6.10
